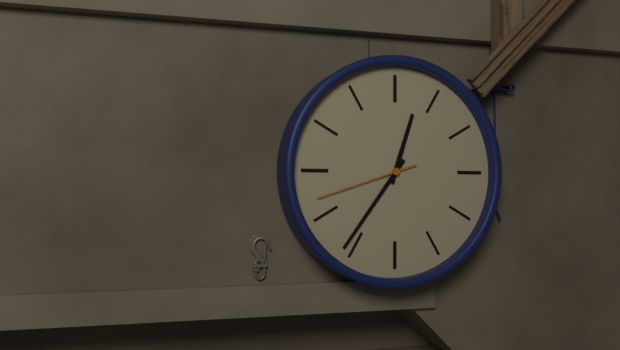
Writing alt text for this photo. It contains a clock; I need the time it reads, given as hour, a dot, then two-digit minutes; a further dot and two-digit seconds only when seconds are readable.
12.36.42
